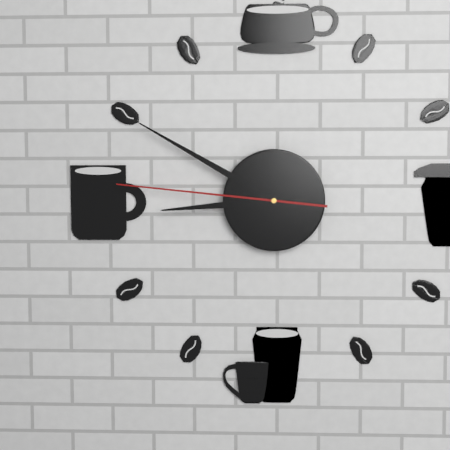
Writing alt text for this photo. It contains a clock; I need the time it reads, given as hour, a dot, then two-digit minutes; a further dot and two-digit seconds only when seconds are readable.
8.50.46
